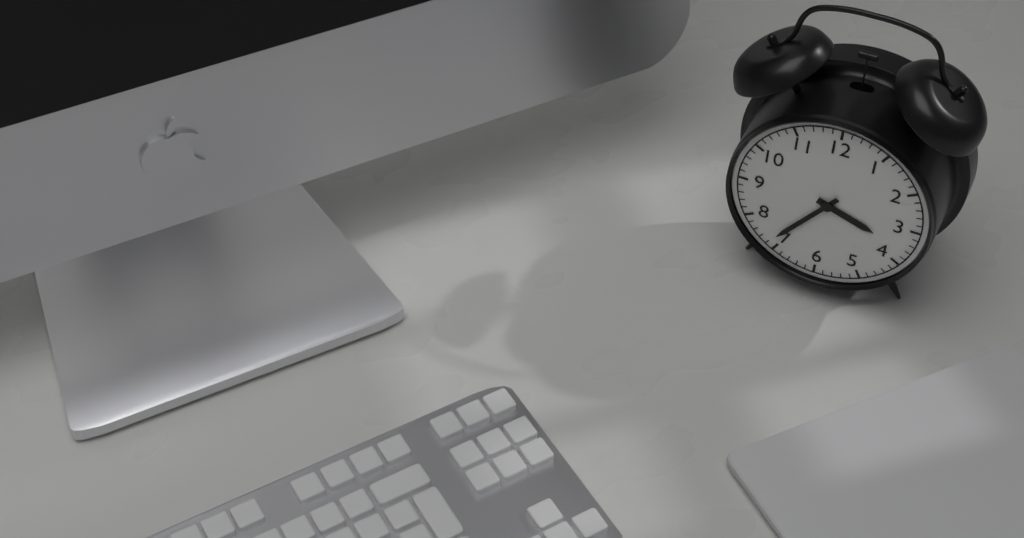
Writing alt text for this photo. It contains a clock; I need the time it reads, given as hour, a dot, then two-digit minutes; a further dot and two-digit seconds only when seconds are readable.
3.36
